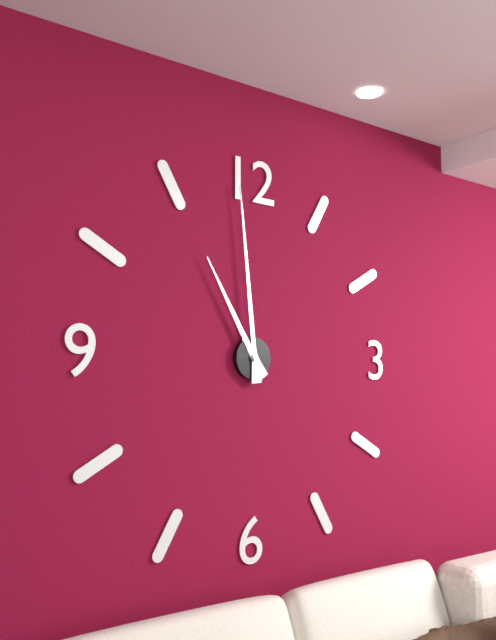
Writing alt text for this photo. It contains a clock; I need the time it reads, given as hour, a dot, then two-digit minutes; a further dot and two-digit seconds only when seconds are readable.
10.59
